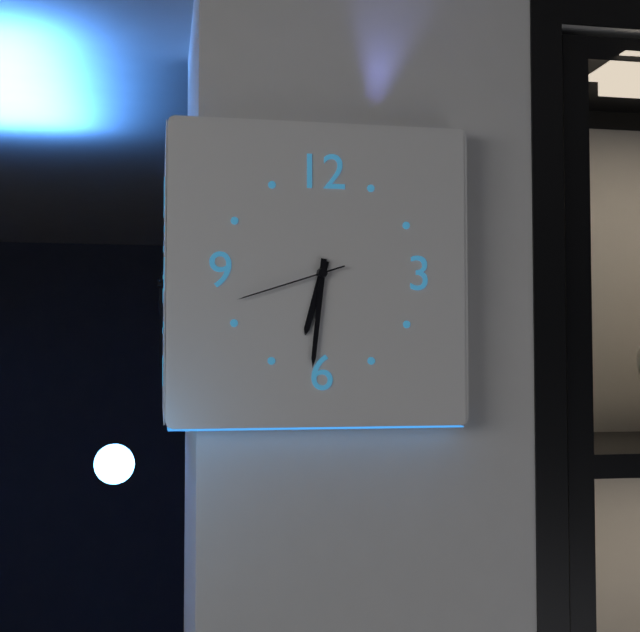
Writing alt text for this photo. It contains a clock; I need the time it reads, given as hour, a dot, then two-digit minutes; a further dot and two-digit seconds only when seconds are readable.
6.31.42
